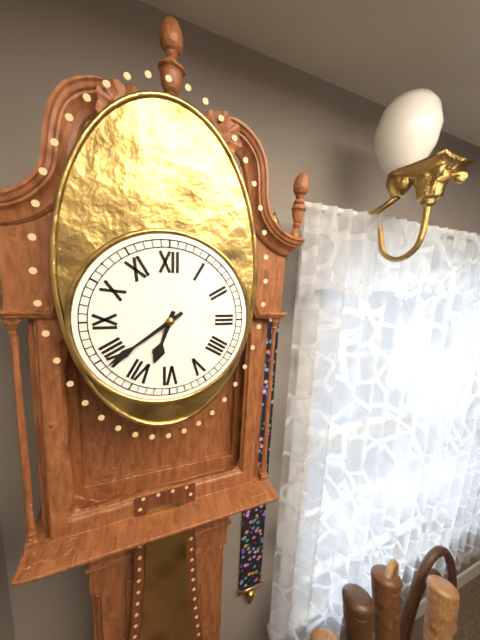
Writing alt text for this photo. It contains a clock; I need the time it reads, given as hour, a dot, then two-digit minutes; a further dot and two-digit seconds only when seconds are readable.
6.39
